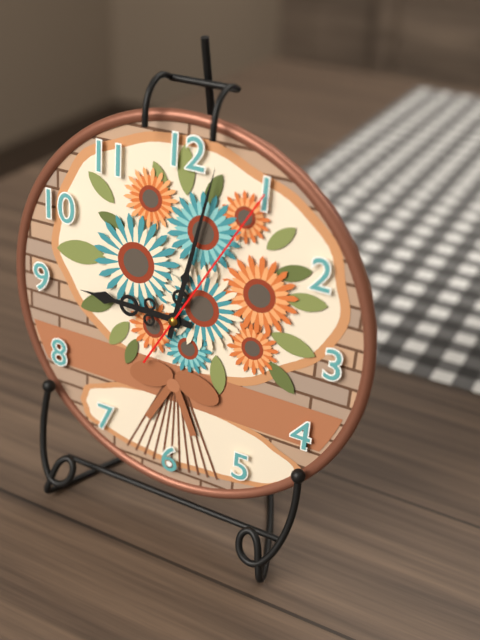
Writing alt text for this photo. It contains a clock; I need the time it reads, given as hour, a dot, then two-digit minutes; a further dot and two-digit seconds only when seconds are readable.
9.02.05
